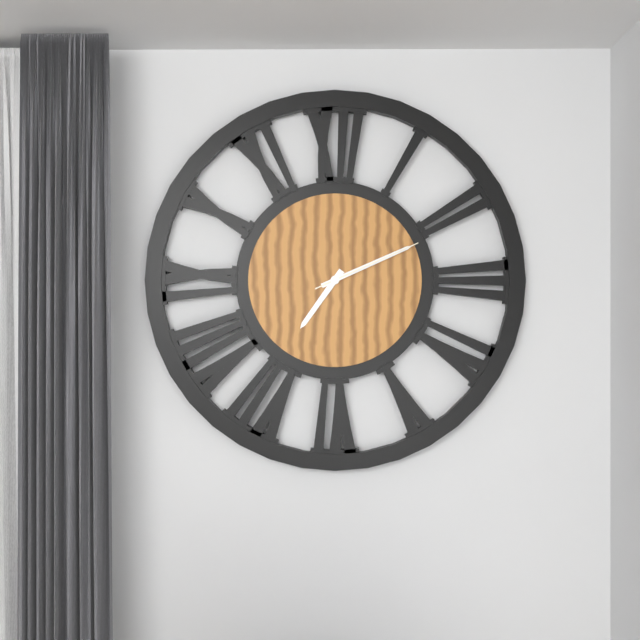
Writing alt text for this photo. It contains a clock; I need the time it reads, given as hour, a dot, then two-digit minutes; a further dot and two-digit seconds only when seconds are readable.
7.11.11
